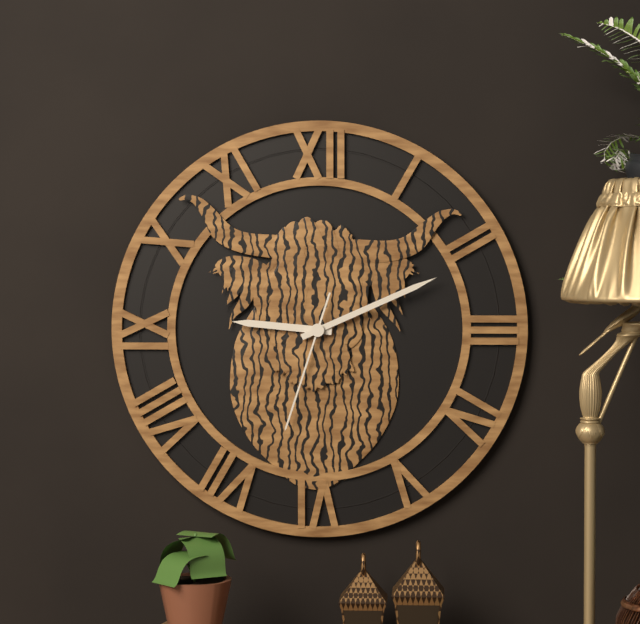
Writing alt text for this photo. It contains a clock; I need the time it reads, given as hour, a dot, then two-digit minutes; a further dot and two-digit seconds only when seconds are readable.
9.11.33
